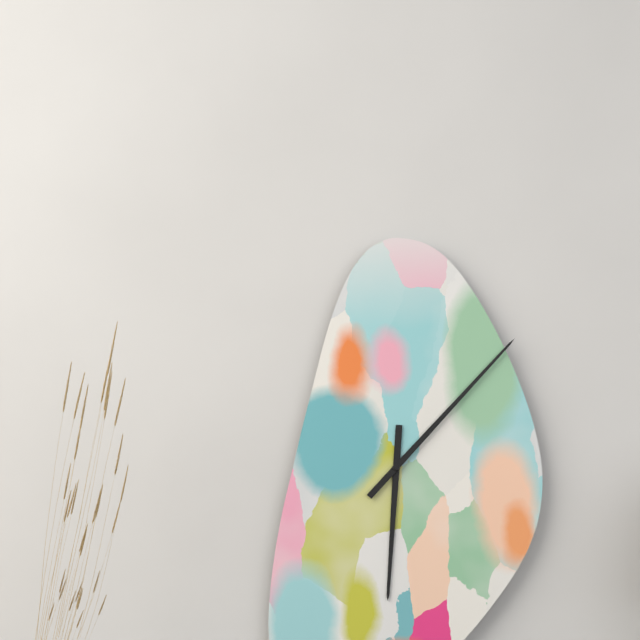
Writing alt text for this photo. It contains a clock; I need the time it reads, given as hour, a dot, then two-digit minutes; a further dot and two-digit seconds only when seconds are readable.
6.07
